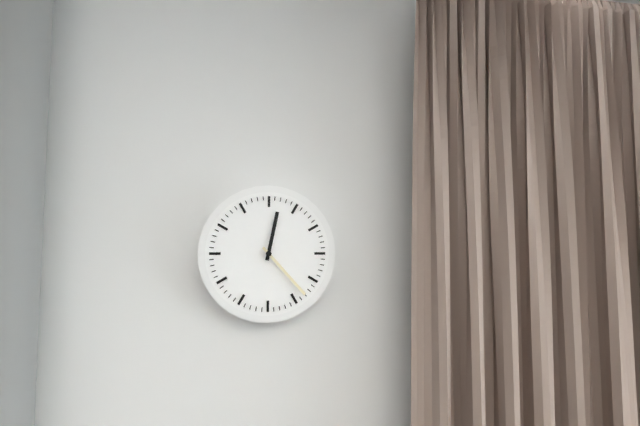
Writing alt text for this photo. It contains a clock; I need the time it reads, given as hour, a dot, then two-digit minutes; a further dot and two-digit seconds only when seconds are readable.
12.23
